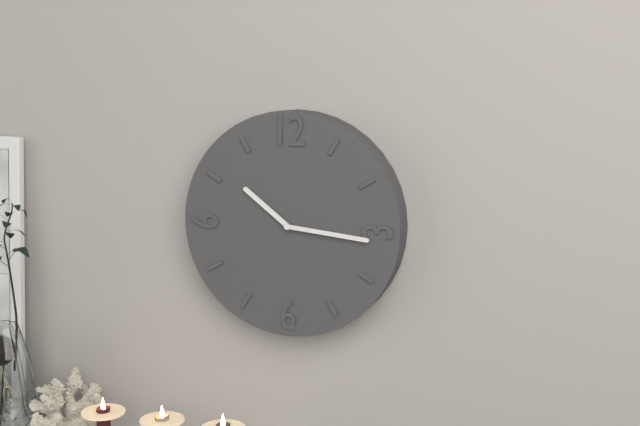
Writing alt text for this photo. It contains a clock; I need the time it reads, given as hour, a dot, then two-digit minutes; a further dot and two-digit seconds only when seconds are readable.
10.16
